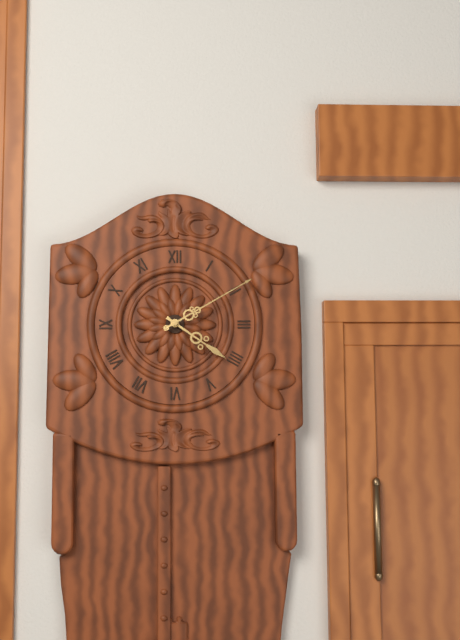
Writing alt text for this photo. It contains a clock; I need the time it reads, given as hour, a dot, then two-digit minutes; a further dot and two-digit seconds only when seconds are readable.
4.10
